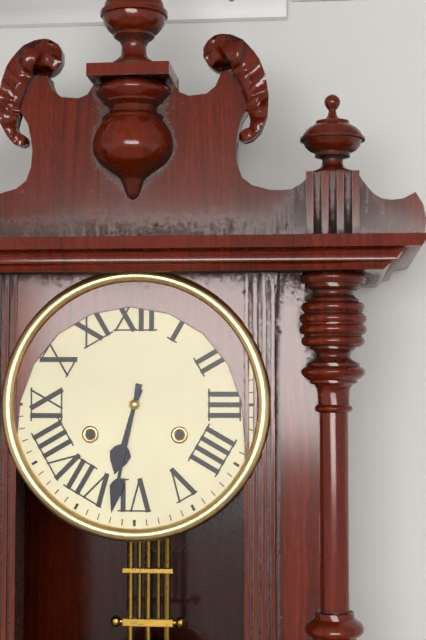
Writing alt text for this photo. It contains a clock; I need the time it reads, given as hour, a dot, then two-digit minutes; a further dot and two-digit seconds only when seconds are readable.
6.32
